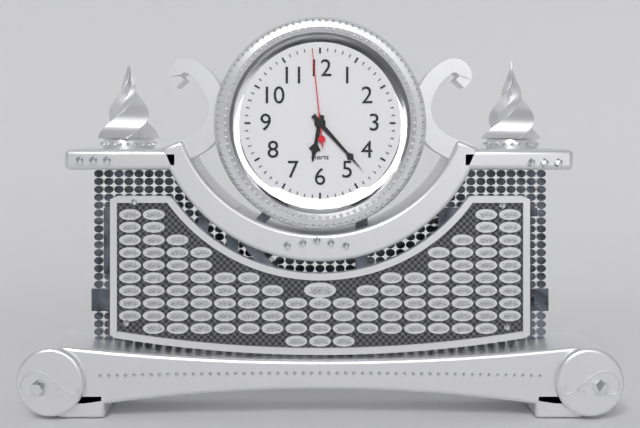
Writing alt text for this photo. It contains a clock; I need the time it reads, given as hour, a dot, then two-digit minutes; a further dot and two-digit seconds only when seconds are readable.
6.23.59
